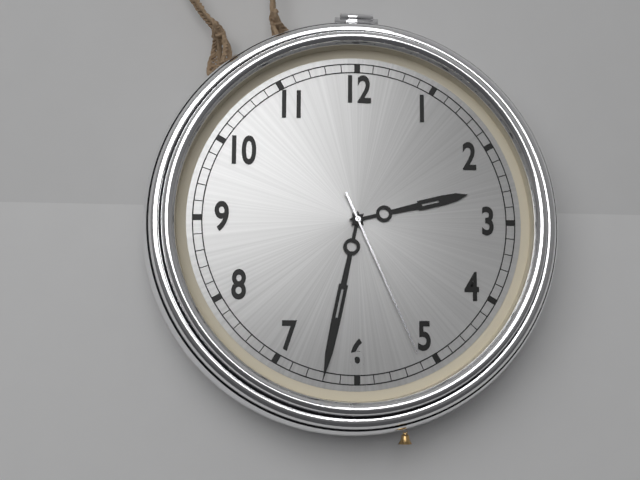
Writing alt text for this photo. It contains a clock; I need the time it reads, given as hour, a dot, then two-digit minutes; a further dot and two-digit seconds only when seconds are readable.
2.32.26
